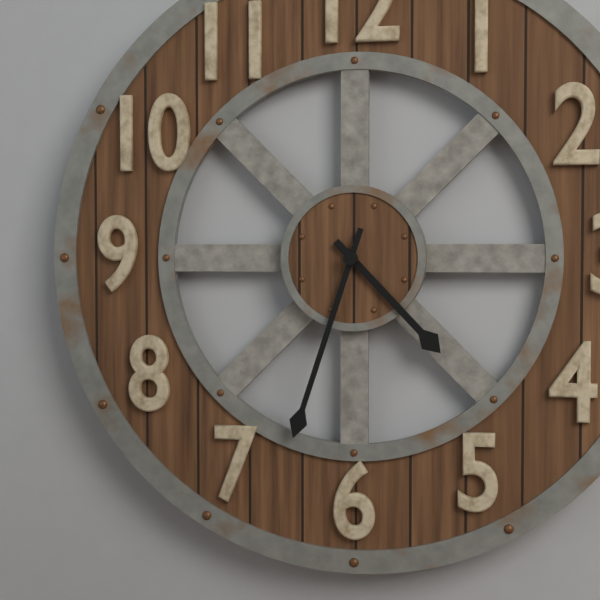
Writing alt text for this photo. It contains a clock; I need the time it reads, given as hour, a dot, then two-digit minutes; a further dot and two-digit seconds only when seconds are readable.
4.33
